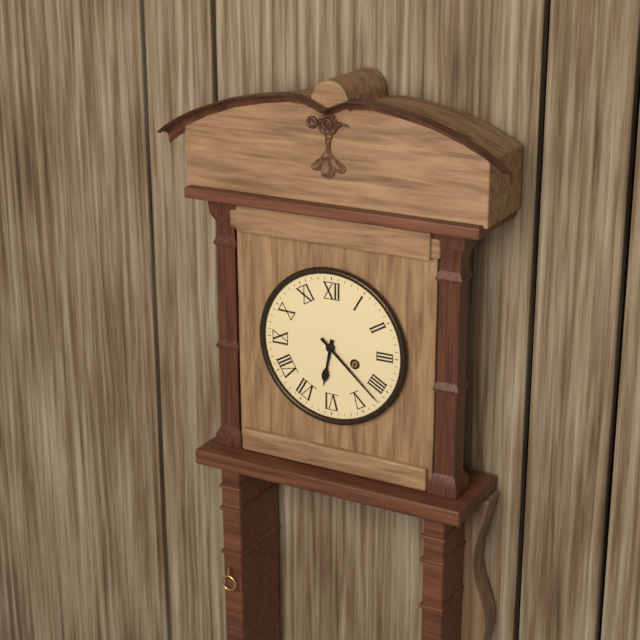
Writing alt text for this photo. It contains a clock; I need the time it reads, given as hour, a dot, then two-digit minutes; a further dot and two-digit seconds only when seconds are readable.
6.22
